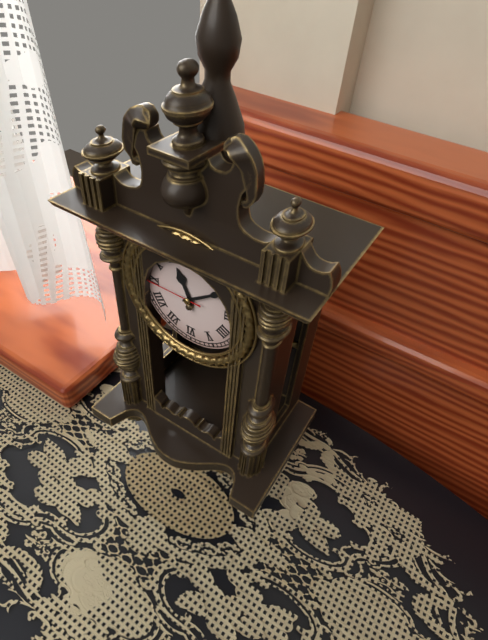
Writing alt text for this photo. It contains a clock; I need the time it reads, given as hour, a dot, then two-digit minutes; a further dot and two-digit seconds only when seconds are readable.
11.09.45
